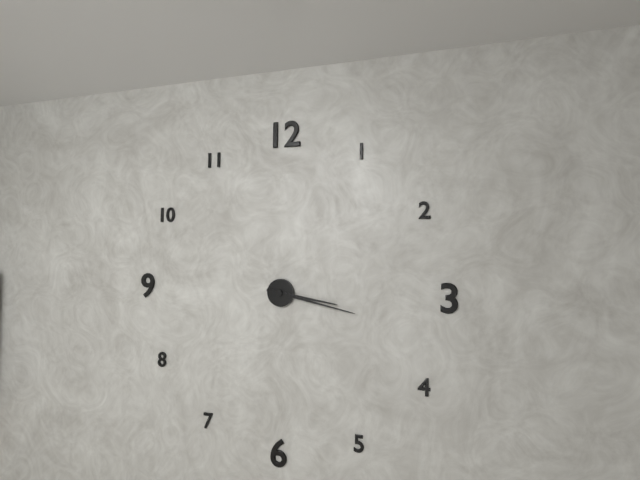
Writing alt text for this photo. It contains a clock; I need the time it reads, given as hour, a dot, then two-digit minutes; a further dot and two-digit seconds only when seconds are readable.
3.17
